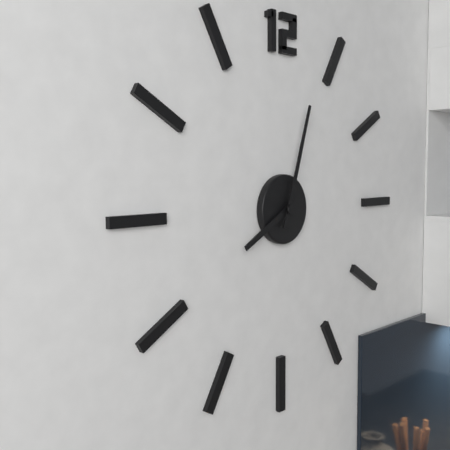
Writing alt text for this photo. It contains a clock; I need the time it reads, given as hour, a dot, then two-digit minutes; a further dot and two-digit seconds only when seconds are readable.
8.03
